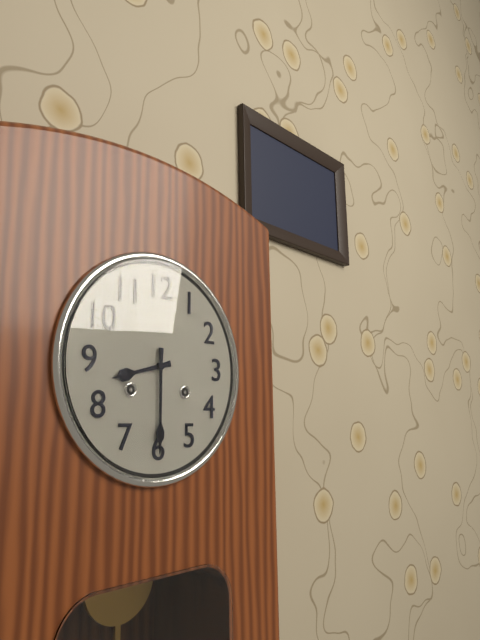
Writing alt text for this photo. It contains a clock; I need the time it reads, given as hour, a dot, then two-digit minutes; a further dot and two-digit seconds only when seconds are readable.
8.30
